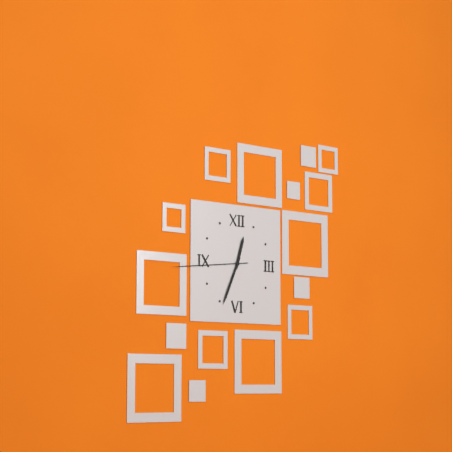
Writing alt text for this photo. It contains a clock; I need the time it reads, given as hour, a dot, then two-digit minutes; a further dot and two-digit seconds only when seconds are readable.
12.34.44
